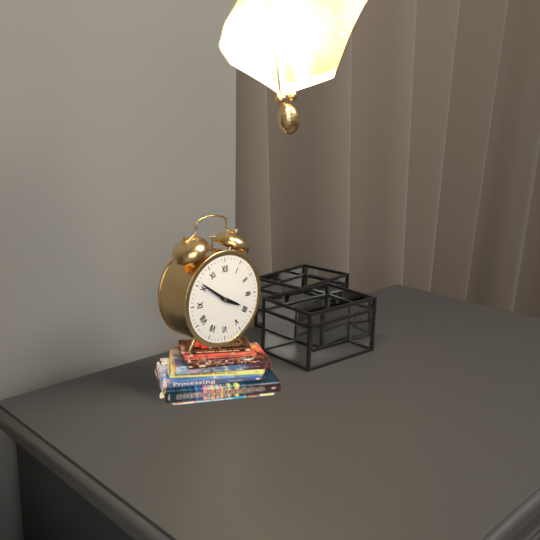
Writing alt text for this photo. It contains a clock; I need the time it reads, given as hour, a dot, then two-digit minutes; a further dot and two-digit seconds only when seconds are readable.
3.51
